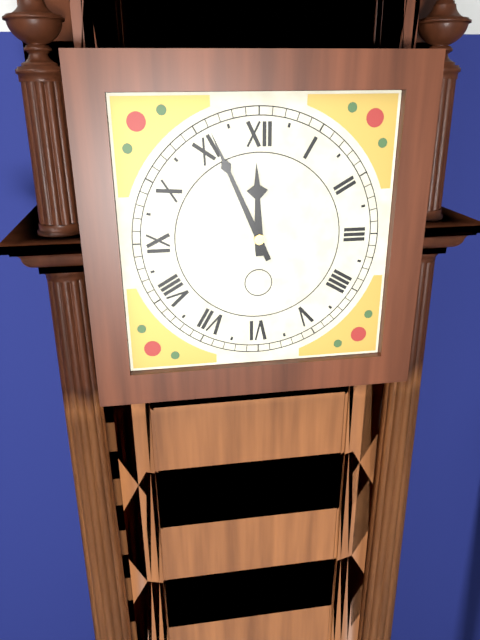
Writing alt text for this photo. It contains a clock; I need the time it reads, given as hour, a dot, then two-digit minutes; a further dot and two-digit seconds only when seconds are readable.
11.56
